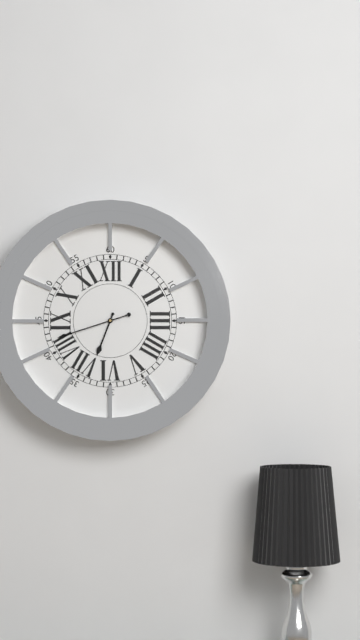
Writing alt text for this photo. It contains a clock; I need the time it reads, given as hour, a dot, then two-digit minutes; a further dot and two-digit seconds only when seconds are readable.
6.42
